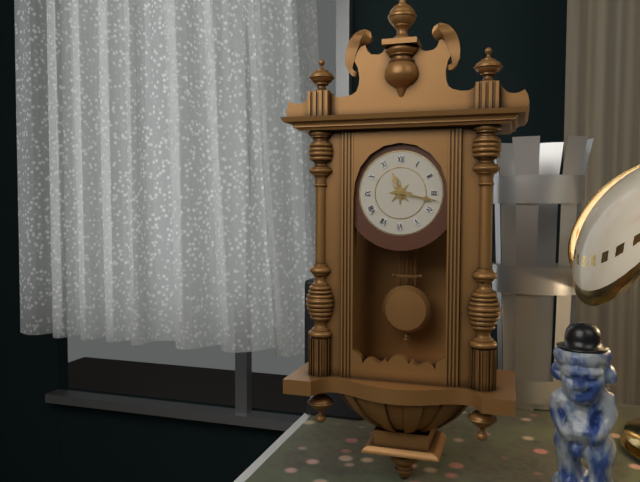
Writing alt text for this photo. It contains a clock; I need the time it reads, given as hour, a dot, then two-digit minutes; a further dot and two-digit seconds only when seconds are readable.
11.17
